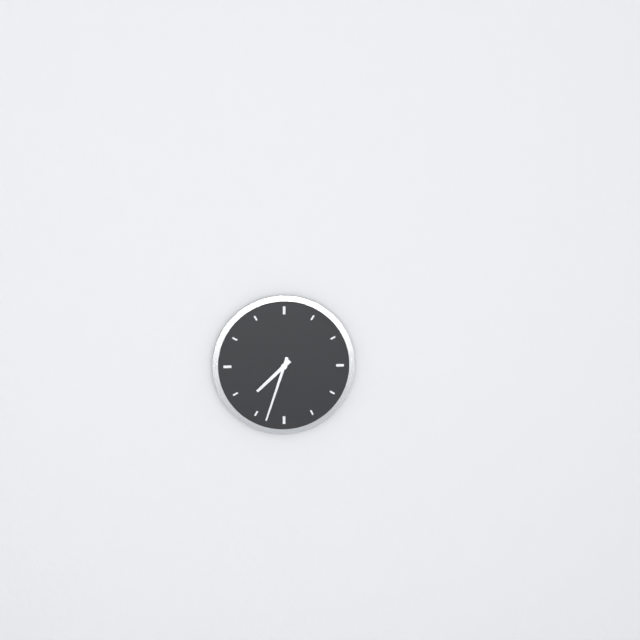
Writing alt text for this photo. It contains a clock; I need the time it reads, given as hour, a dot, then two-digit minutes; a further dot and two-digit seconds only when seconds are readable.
7.33
